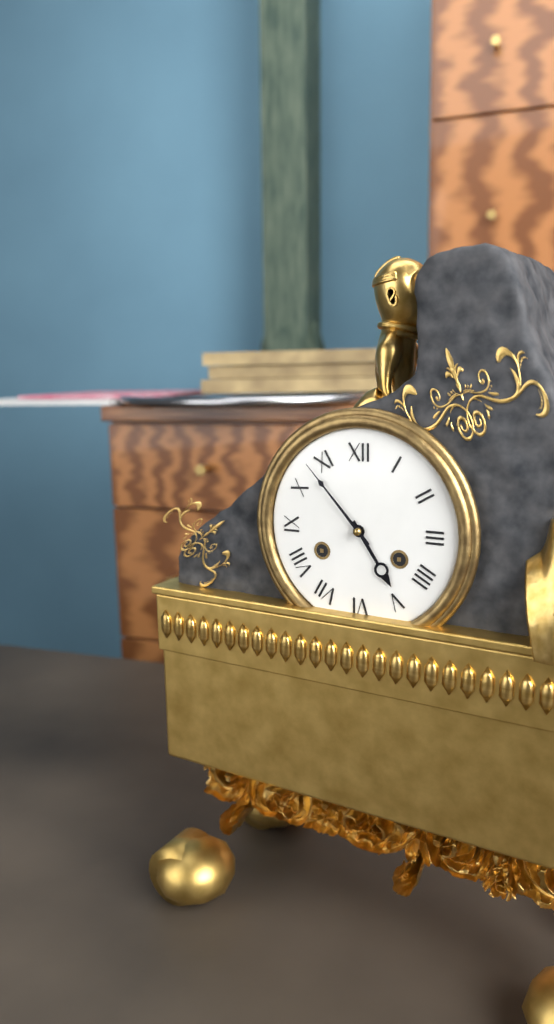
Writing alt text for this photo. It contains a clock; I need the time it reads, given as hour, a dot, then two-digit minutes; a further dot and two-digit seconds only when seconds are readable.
4.53
